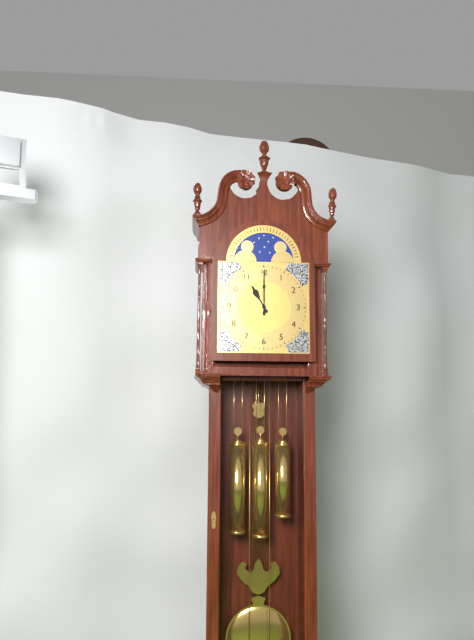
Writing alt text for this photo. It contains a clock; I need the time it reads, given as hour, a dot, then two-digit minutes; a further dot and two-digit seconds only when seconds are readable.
11.00
